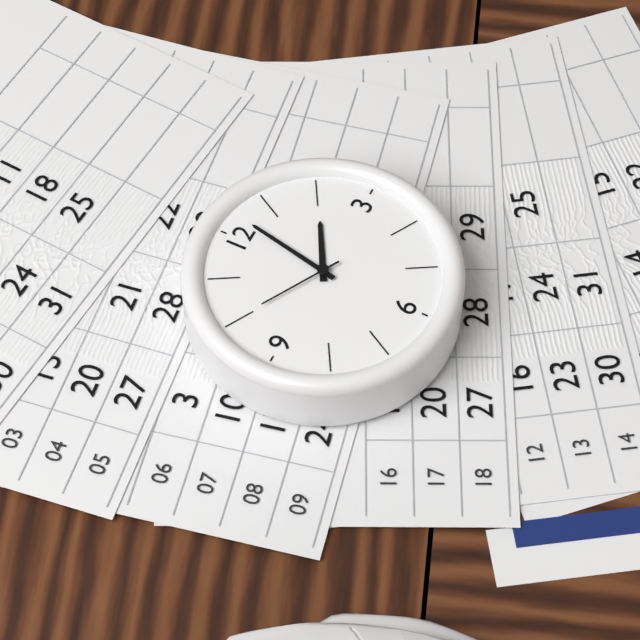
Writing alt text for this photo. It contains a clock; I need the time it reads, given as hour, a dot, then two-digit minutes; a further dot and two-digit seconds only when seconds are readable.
2.02.50
